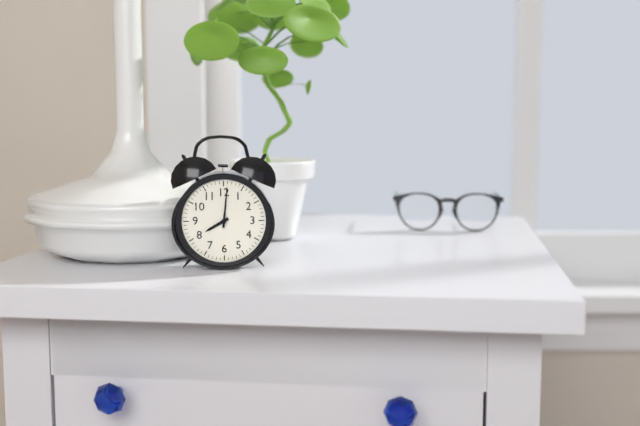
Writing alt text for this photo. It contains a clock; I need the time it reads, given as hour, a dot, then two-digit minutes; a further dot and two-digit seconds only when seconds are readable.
8.01
